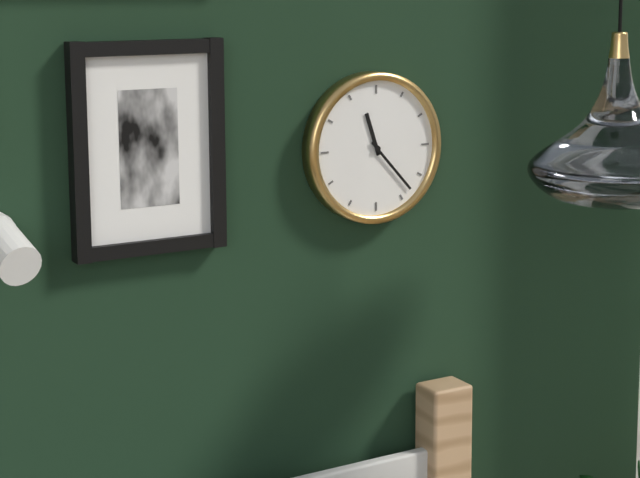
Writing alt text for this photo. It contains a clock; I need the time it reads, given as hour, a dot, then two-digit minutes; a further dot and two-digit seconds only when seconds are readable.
11.23
